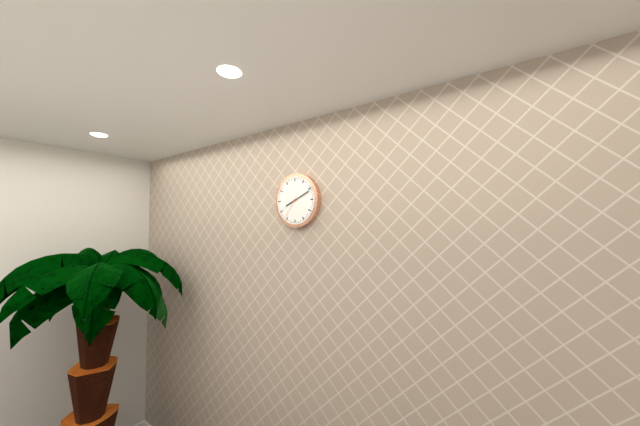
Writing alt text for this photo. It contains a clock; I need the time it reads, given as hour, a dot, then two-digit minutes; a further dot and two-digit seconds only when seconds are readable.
8.11
